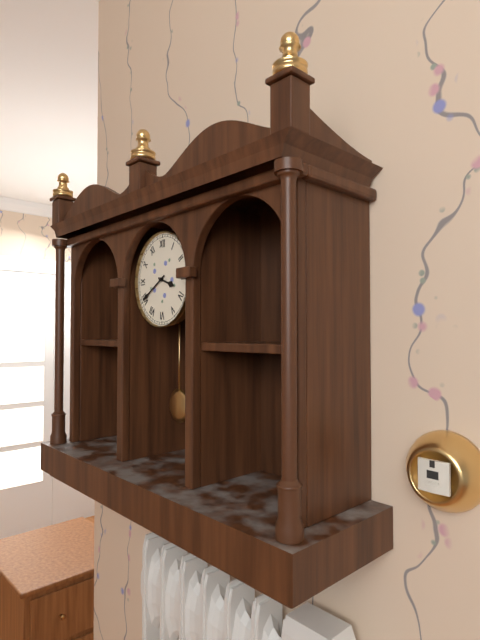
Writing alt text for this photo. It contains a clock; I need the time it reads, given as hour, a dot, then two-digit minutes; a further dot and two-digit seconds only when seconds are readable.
3.40
